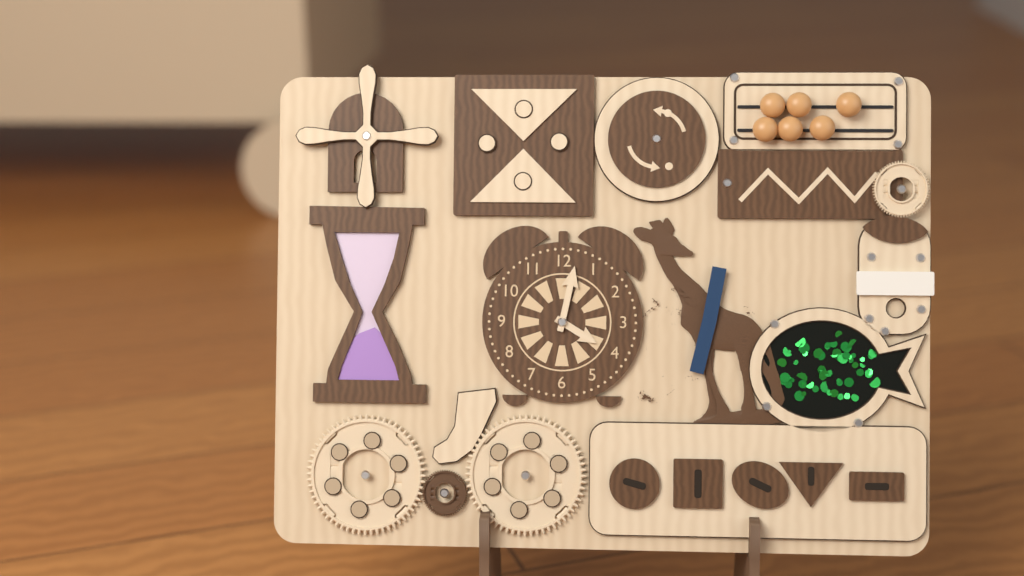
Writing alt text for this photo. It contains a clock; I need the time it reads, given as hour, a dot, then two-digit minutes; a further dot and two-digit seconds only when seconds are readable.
4.02
